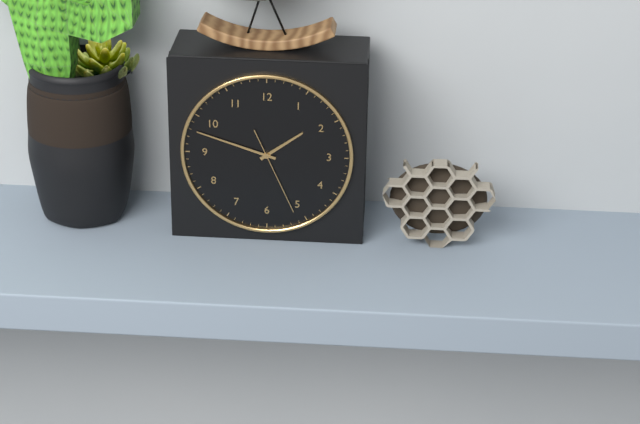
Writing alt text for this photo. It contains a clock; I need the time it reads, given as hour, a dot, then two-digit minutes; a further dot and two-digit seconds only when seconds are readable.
1.48.26
